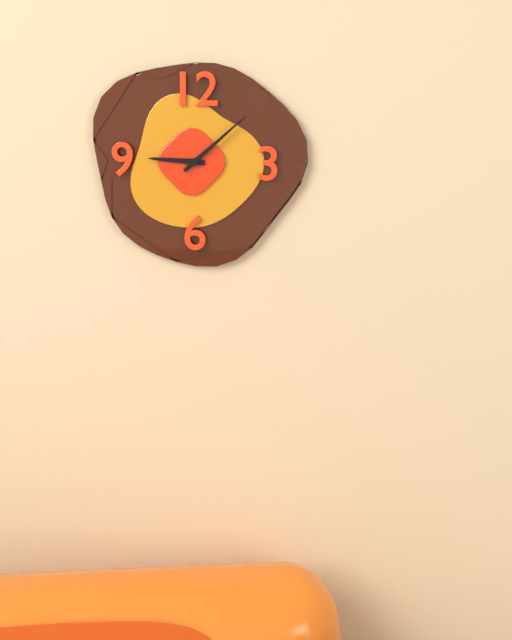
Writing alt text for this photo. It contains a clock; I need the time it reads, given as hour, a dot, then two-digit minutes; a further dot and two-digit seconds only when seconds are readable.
9.08
